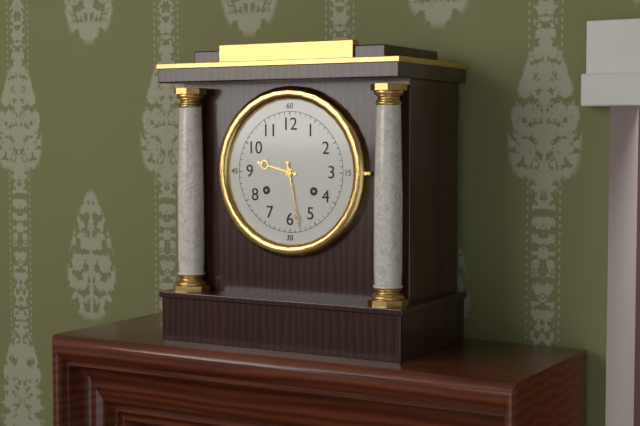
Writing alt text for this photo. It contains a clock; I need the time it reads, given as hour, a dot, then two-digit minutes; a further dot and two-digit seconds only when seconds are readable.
9.28
